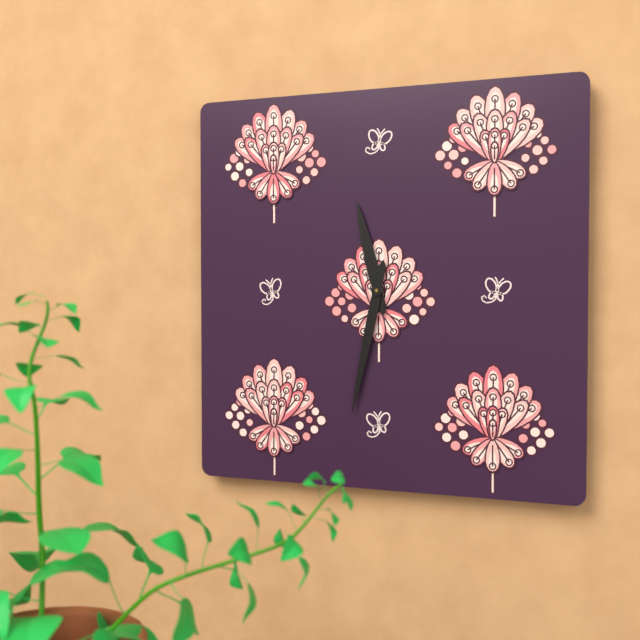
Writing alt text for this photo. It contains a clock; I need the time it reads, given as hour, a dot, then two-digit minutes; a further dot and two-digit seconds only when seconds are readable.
11.32
